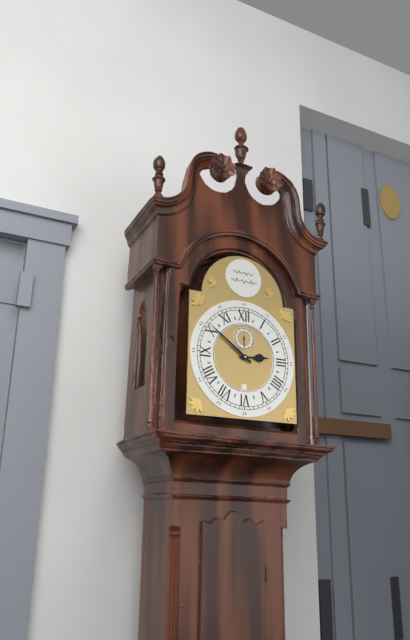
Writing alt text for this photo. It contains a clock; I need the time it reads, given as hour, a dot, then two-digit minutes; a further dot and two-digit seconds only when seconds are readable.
2.51
